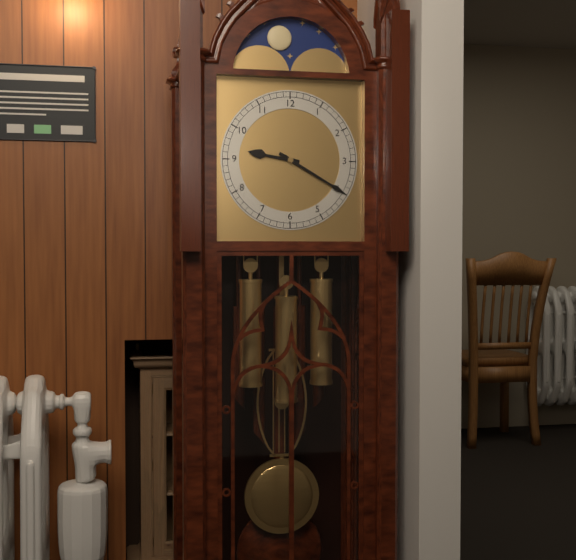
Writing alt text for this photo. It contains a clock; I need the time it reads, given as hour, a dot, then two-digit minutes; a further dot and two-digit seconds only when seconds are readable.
9.20
